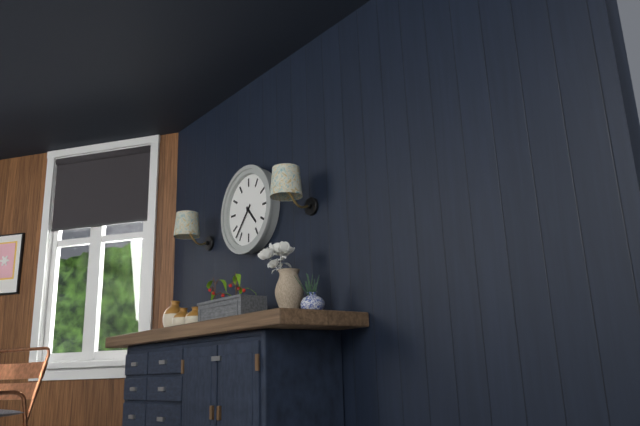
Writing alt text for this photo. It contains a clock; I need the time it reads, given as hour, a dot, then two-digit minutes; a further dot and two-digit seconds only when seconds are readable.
4.37
